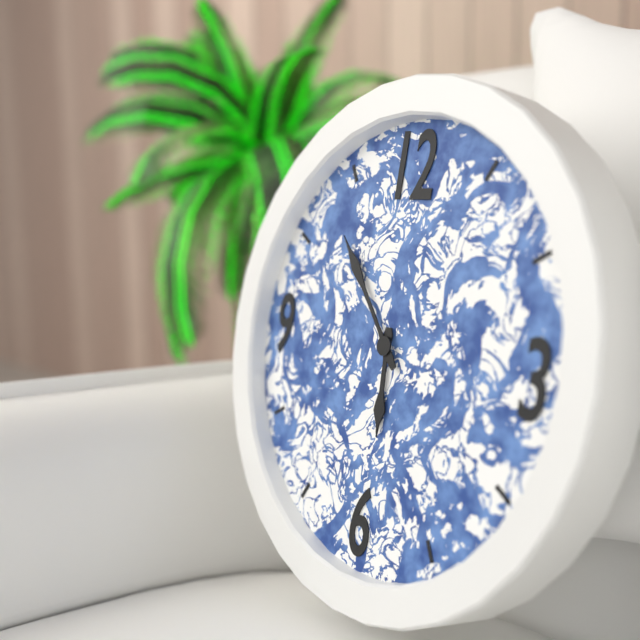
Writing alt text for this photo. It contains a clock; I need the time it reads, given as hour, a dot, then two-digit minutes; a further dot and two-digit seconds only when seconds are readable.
5.53
